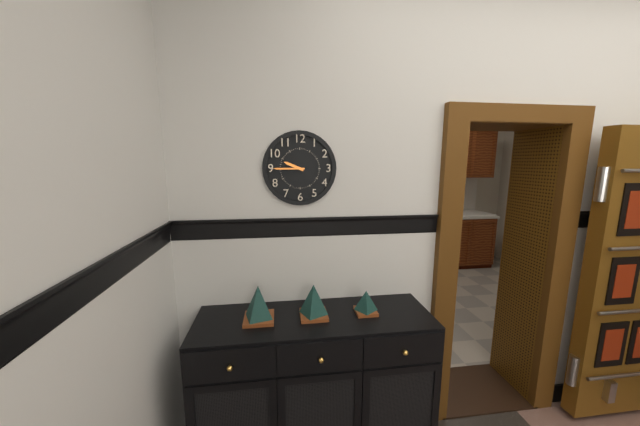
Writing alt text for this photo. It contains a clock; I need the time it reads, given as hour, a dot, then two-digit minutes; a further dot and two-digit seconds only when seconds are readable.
9.45
